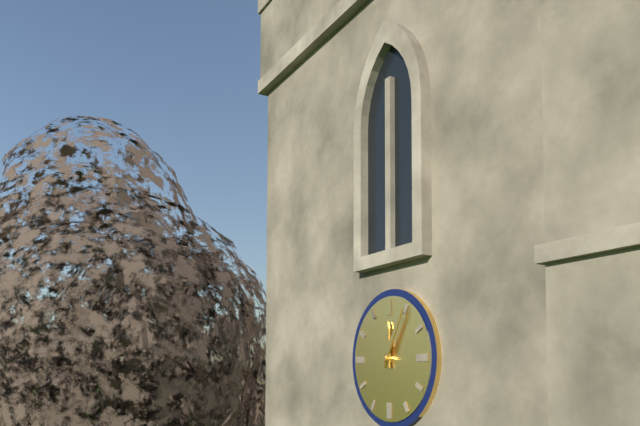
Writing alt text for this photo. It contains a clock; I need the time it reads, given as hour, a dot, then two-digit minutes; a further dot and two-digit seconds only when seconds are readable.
12.05
